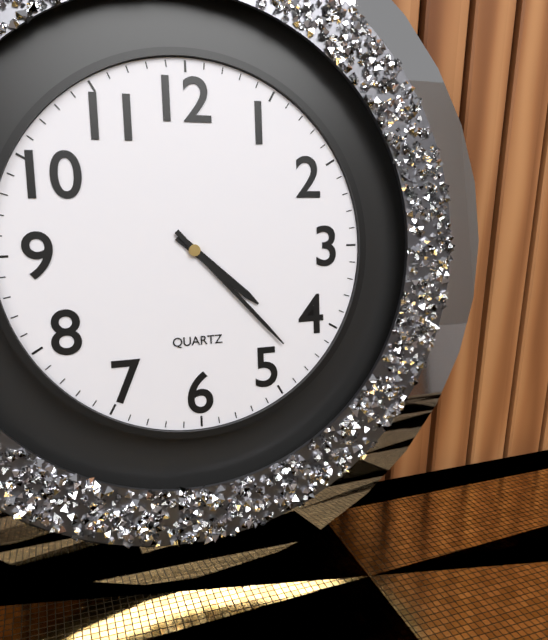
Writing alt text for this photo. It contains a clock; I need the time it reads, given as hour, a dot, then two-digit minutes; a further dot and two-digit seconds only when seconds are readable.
4.23
